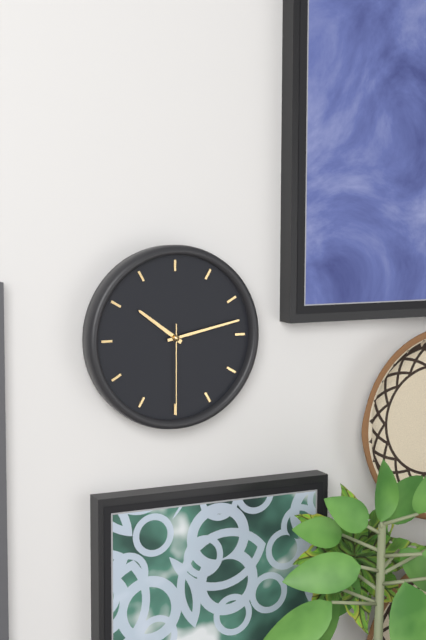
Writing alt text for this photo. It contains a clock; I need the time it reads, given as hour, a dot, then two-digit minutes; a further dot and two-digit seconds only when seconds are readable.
10.13.30
